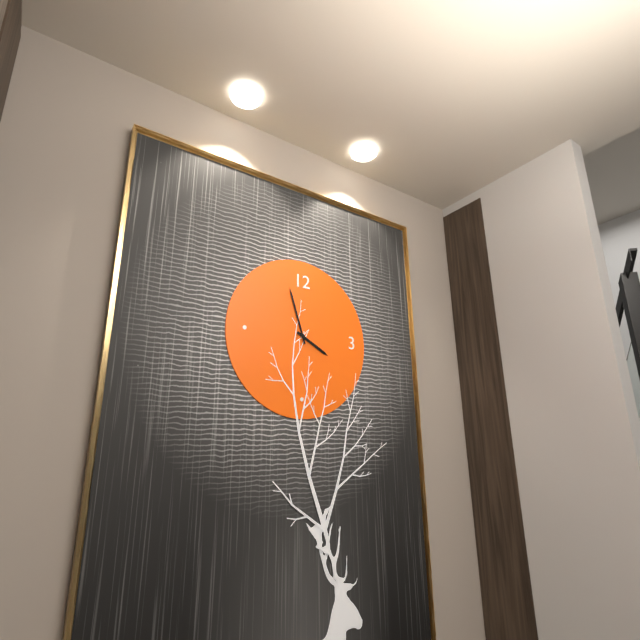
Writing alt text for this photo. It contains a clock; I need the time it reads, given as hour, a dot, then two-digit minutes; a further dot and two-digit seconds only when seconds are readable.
3.57
